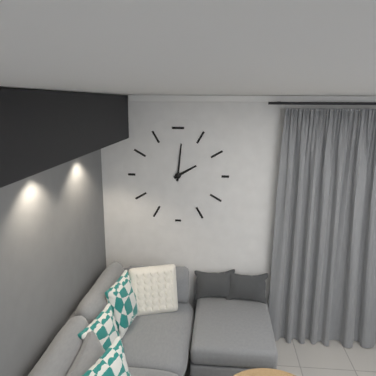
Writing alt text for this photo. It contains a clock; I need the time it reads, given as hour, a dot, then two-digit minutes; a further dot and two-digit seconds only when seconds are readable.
2.01
